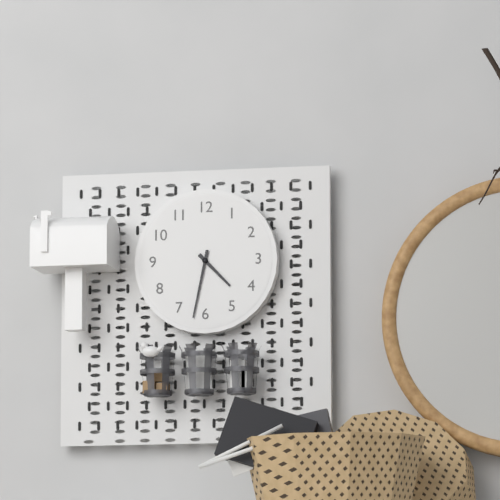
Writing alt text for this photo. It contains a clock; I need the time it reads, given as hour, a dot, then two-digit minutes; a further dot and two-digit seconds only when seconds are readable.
4.32
